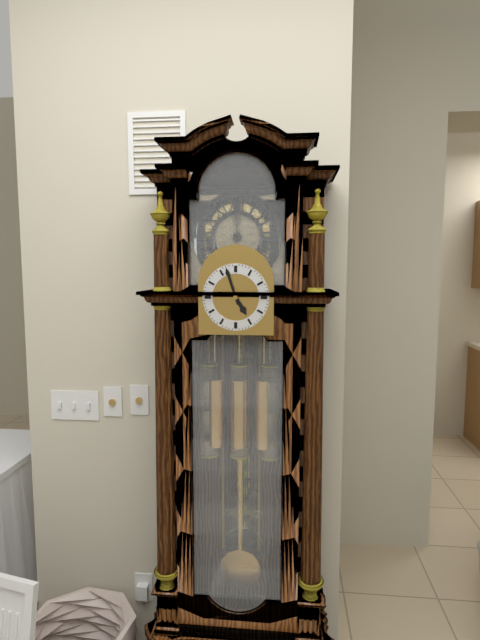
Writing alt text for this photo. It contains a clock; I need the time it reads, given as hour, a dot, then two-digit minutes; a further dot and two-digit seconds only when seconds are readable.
4.57
